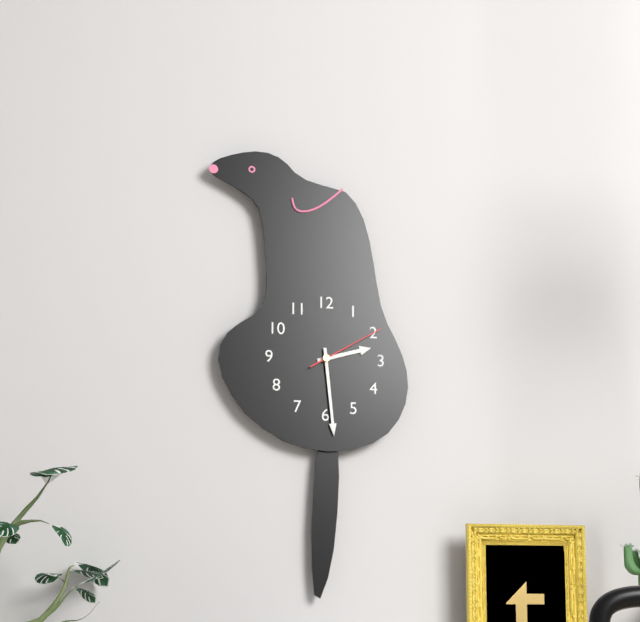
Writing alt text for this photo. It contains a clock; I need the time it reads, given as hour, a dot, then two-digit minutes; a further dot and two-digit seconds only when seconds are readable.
2.29.10
